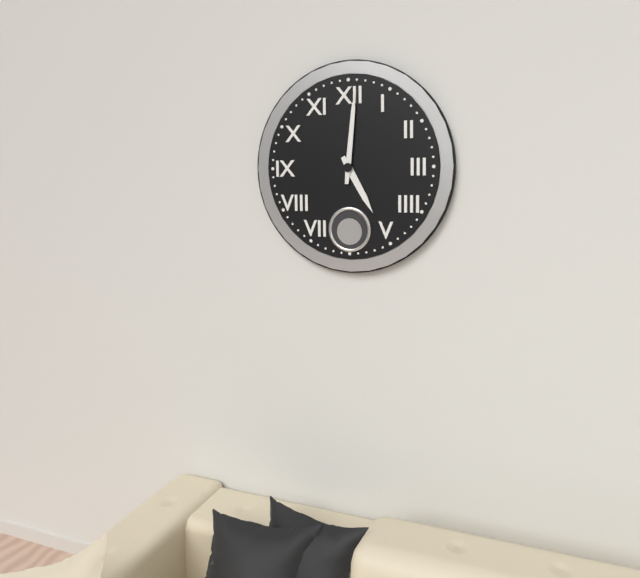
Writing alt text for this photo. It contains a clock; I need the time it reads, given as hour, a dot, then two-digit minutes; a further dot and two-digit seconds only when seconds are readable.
5.01
